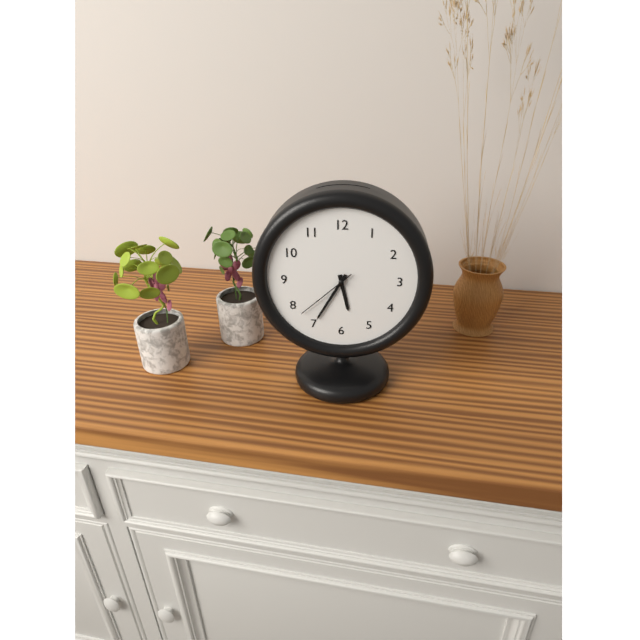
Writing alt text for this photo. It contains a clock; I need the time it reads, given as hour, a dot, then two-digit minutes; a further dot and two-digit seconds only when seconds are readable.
5.35.38
